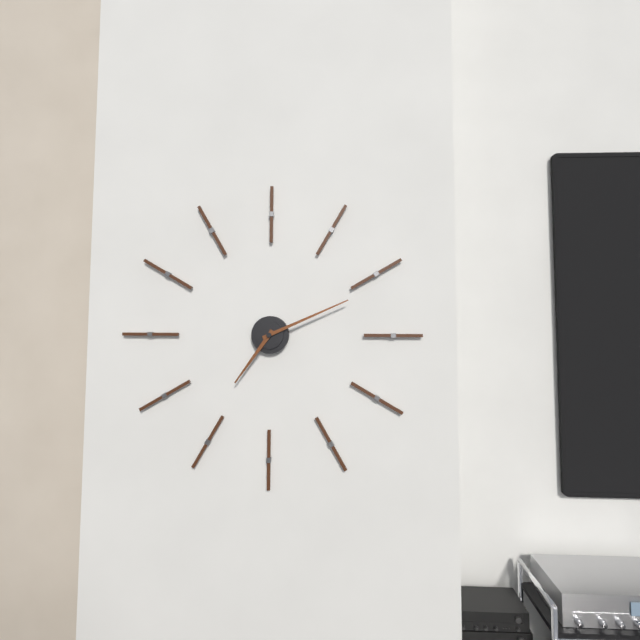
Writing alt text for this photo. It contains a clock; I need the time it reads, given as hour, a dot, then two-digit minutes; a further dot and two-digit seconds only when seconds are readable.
7.11
